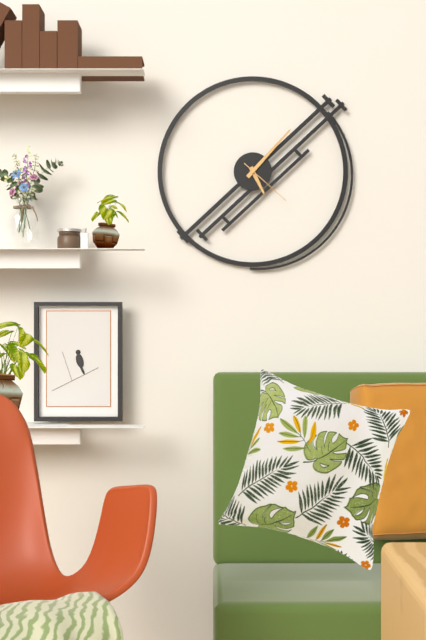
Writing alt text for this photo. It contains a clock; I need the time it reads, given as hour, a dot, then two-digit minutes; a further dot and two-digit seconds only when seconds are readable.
5.07.22
